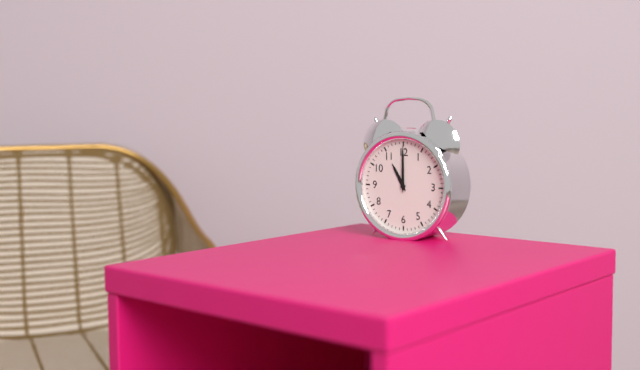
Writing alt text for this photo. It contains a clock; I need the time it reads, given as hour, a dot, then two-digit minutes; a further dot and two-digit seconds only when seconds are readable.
11.00
